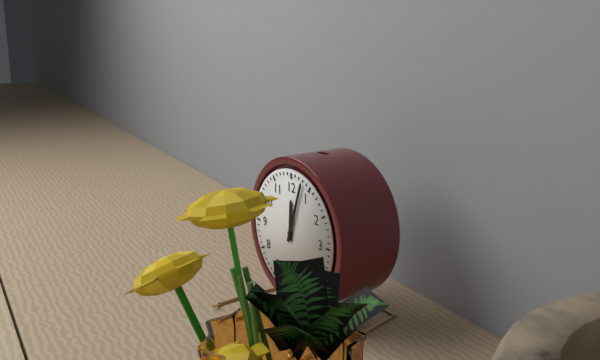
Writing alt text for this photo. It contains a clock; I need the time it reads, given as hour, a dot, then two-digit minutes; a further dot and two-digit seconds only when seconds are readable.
12.03
